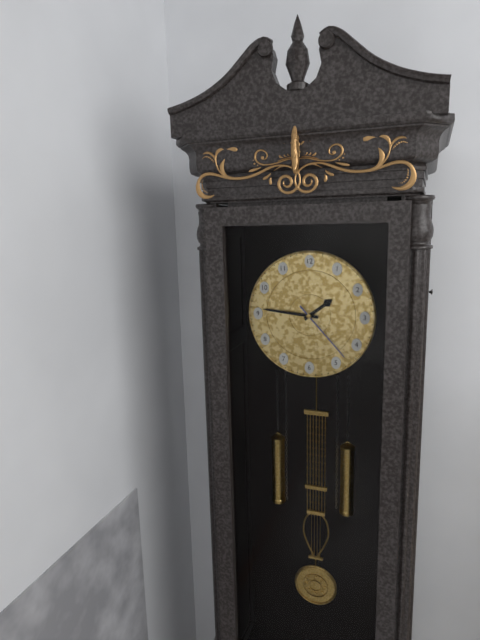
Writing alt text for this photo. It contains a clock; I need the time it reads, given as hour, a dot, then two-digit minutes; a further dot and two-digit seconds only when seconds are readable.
1.46.23
